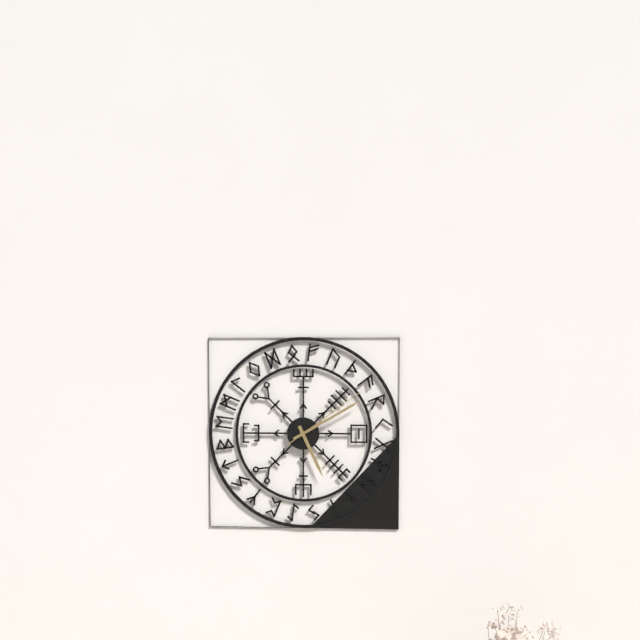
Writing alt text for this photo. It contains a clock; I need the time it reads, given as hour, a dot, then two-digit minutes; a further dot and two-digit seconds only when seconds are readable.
5.10.09
